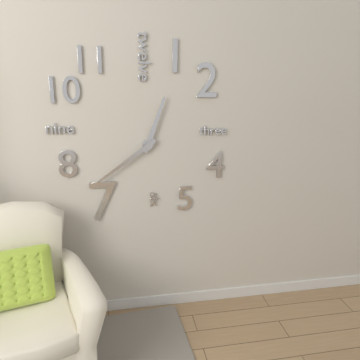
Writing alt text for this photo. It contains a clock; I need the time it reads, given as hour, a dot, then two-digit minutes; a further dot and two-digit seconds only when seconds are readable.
12.39
